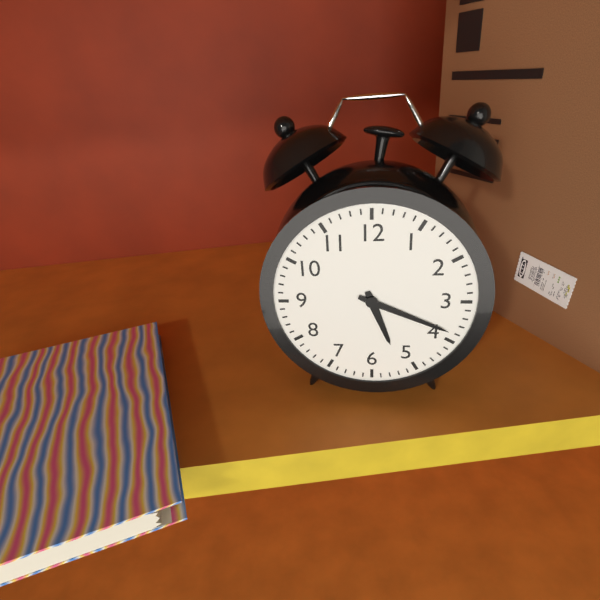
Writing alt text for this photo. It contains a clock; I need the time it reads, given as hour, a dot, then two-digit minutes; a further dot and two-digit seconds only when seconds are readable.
5.19
